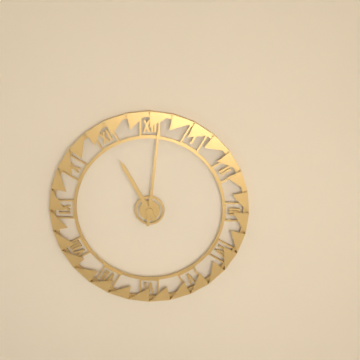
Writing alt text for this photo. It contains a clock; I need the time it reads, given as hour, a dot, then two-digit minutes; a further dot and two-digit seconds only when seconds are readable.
11.01
